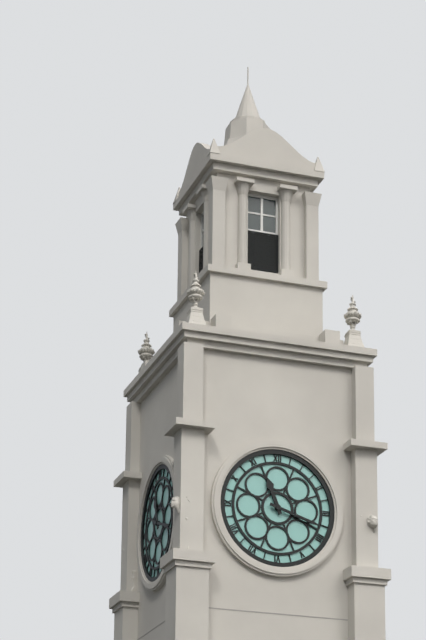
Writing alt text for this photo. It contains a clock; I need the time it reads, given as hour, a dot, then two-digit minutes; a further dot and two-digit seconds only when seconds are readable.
11.18
